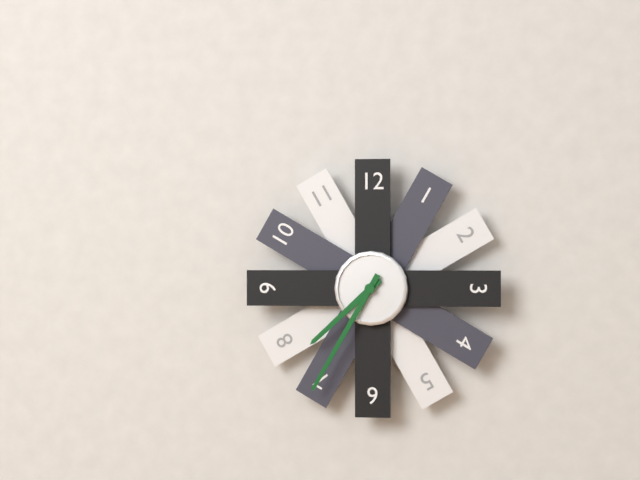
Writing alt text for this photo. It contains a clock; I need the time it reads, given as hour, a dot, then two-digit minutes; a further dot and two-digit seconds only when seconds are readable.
7.35
